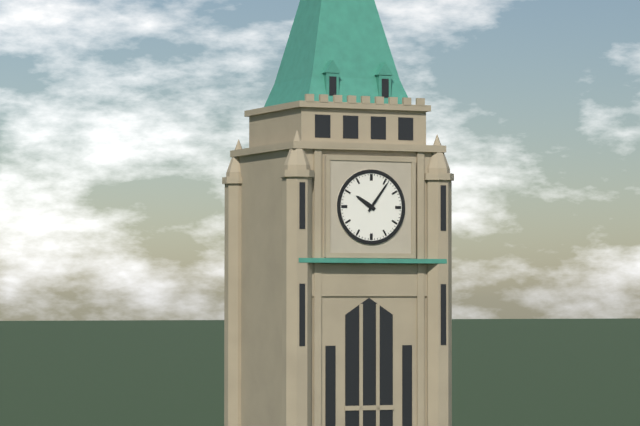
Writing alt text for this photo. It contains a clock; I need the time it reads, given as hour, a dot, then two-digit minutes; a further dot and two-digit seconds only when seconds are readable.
10.06
